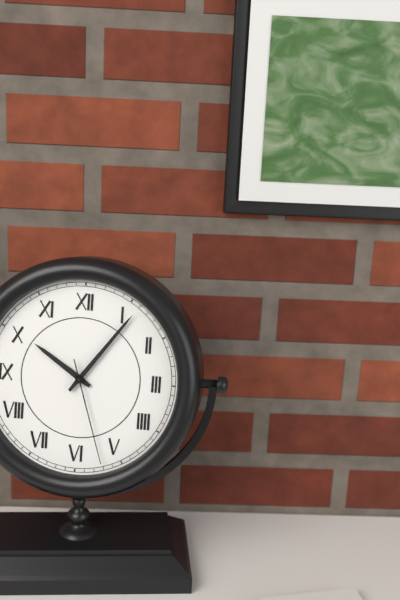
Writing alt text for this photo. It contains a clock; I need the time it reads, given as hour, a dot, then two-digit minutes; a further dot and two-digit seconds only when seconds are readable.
10.06.27
